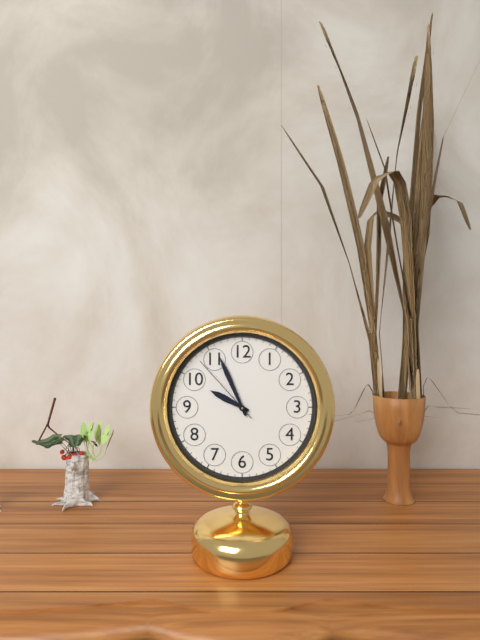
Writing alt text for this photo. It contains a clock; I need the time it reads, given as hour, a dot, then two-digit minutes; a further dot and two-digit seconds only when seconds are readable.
9.56.53
